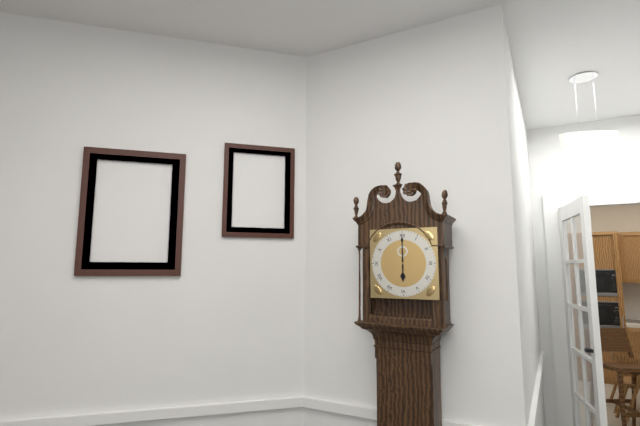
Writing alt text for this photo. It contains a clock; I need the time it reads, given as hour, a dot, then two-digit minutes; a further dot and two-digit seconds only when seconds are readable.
6.00
